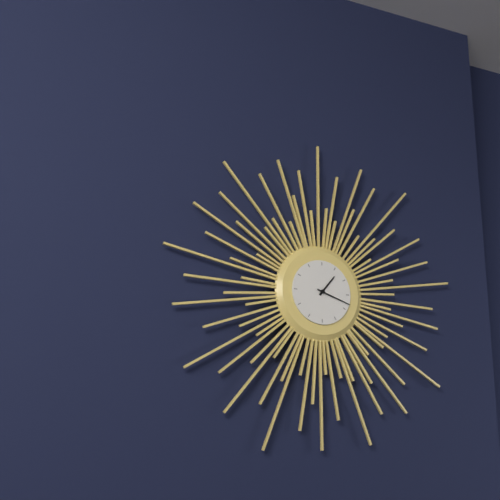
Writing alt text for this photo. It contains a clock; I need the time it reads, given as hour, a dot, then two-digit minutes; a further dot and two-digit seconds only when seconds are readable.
1.18
